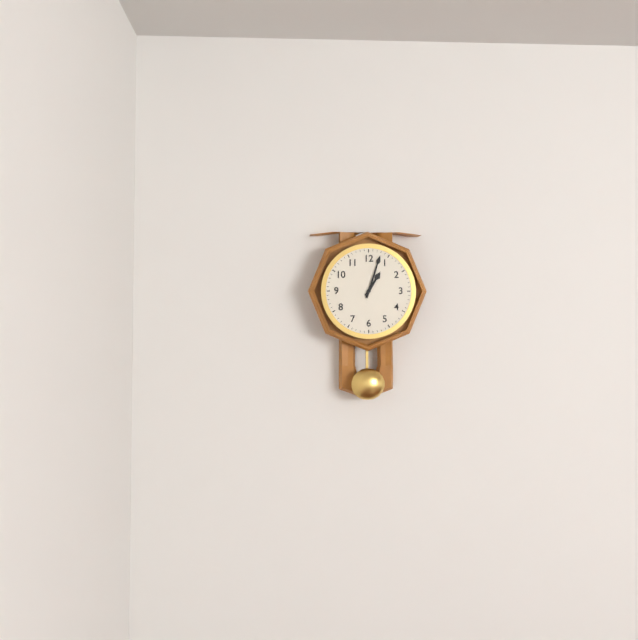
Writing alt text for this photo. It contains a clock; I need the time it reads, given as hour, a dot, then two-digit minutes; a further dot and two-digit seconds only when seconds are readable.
1.03
